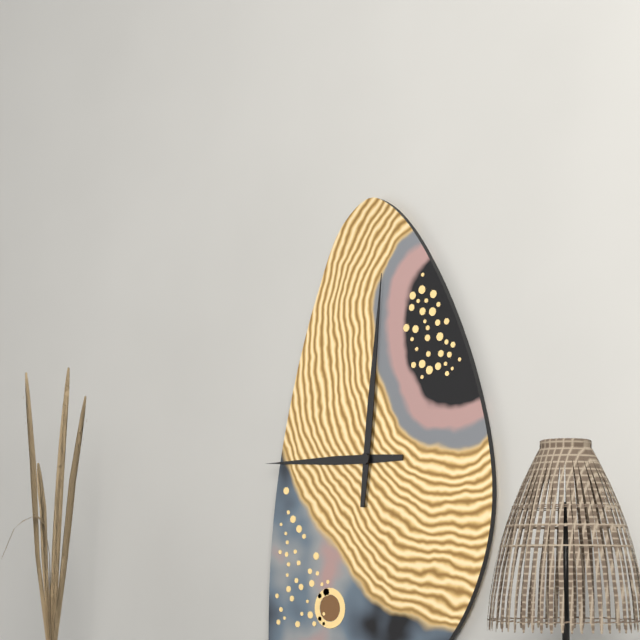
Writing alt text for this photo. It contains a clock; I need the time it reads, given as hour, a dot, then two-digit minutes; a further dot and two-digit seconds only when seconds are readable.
9.01
